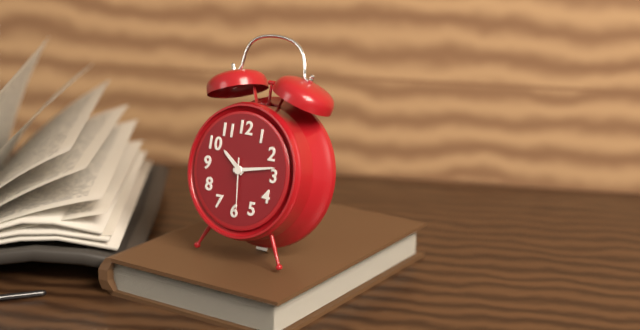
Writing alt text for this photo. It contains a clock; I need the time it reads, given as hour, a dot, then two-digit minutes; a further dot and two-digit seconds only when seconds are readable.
10.13.29
